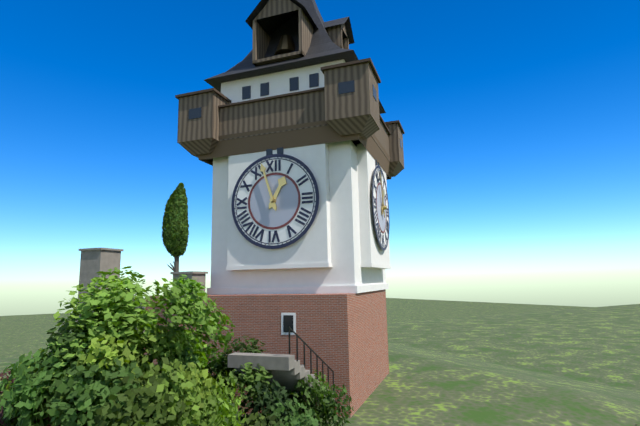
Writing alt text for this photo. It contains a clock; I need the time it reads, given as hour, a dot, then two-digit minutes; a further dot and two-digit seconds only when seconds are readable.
12.57
